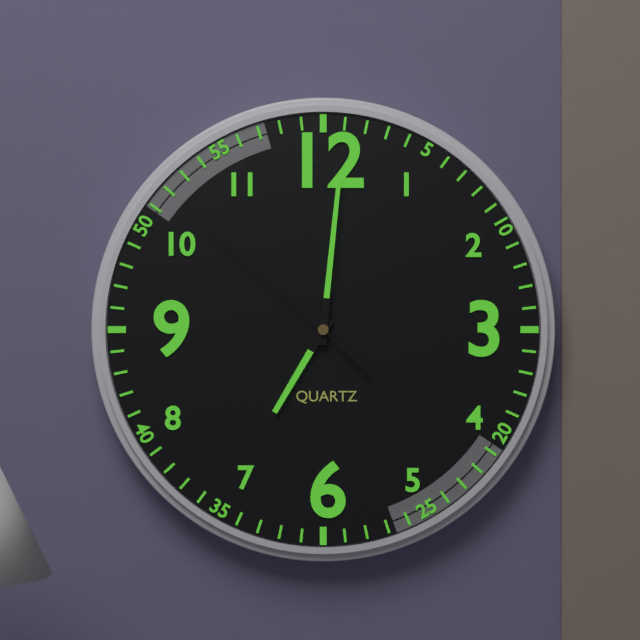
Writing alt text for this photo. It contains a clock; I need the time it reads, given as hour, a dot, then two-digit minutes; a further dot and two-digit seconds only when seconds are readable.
7.01.52
